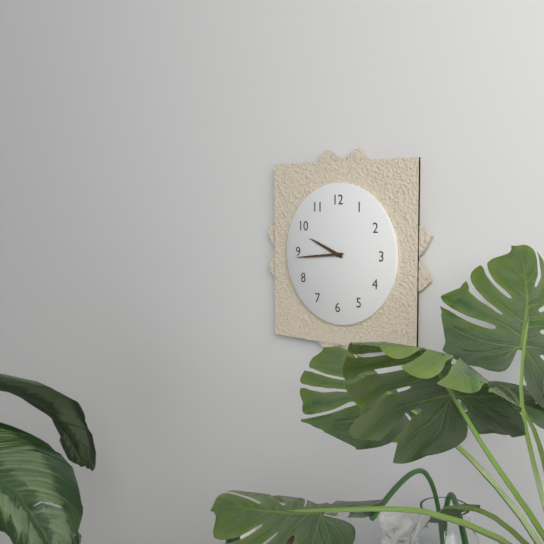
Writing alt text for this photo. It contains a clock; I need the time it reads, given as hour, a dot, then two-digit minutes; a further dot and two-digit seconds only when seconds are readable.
9.44
